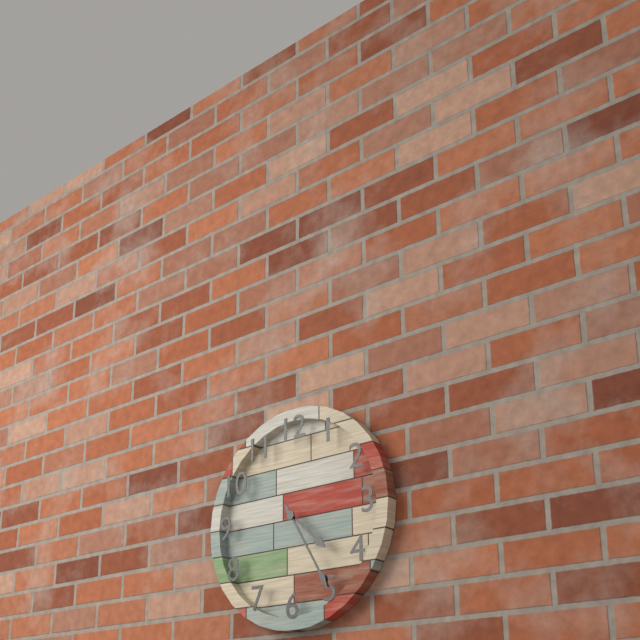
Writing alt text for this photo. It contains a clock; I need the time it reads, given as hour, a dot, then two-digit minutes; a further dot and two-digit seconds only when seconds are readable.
4.25
